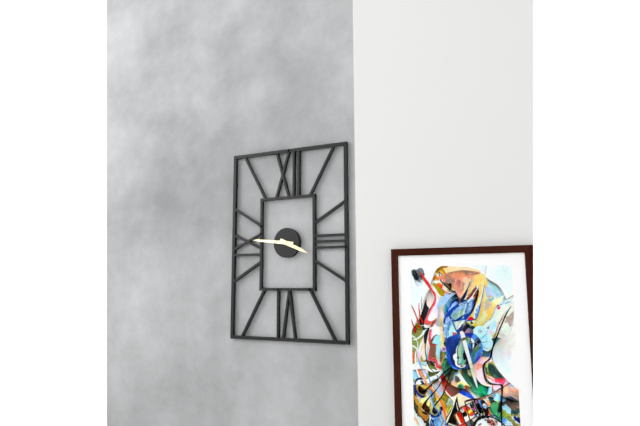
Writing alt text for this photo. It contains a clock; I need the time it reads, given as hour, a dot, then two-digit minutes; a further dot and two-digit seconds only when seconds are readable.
3.46
